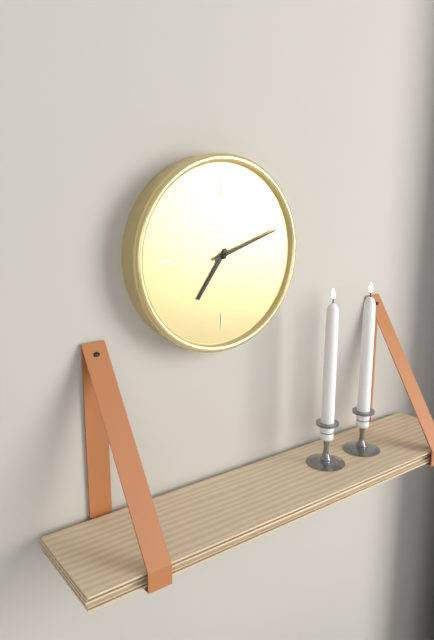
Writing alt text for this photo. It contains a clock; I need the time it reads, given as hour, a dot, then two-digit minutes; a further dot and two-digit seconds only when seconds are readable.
7.12
